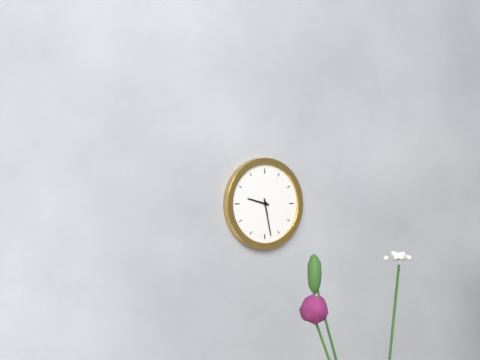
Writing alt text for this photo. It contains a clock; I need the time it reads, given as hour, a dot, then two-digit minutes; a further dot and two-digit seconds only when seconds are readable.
9.28
